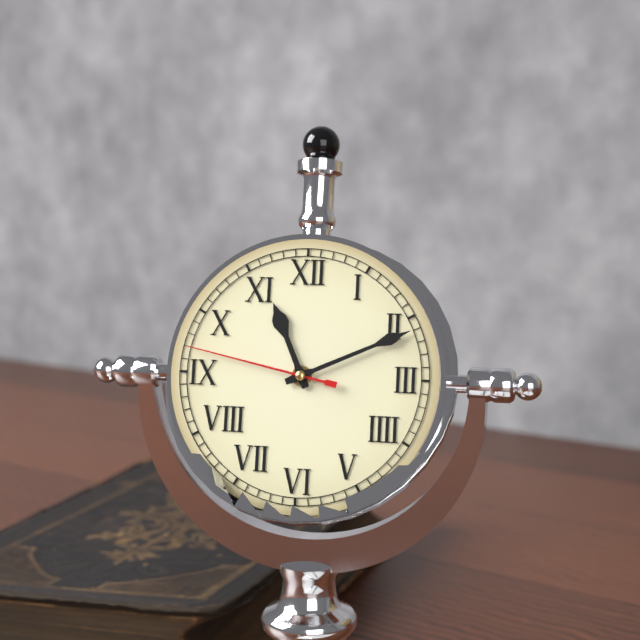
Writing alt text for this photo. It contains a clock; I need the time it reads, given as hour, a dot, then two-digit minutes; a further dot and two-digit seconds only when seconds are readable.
11.11.47
